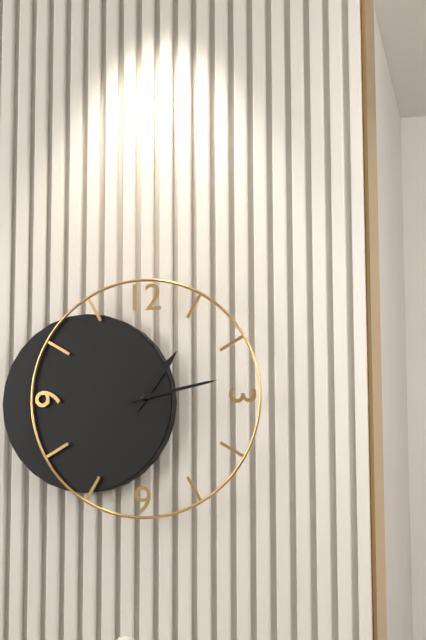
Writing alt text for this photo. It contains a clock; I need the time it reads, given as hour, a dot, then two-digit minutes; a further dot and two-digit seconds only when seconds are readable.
1.13
